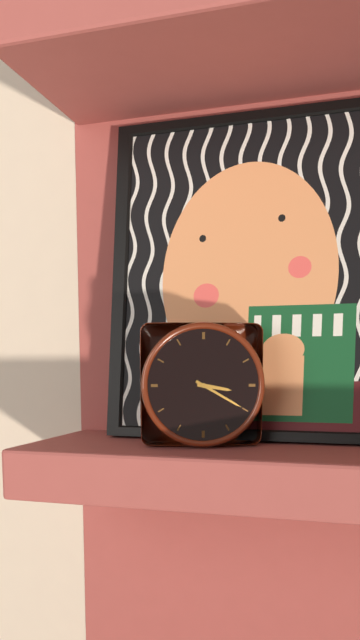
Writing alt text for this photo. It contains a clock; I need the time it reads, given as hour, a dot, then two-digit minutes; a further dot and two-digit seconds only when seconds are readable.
3.20
